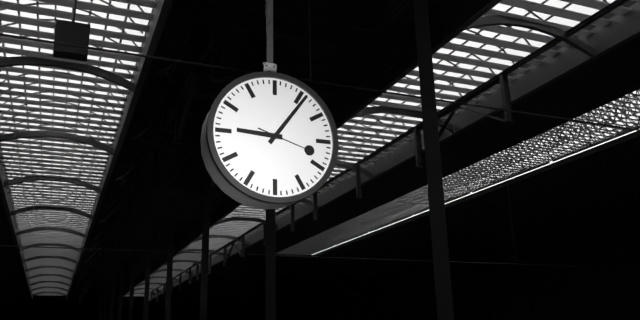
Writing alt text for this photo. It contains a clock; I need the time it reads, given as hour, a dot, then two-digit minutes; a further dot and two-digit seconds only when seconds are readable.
9.06.18
